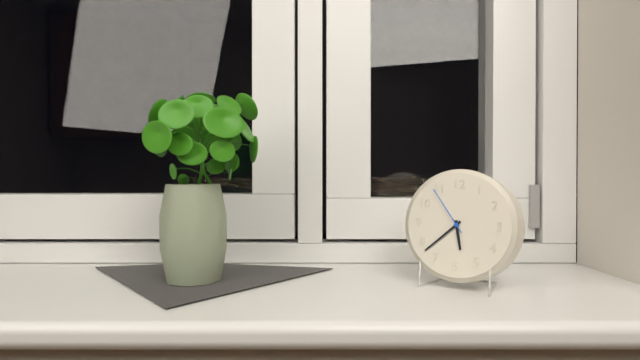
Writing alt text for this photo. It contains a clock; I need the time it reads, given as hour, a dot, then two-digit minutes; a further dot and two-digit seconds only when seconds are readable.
5.38.54
